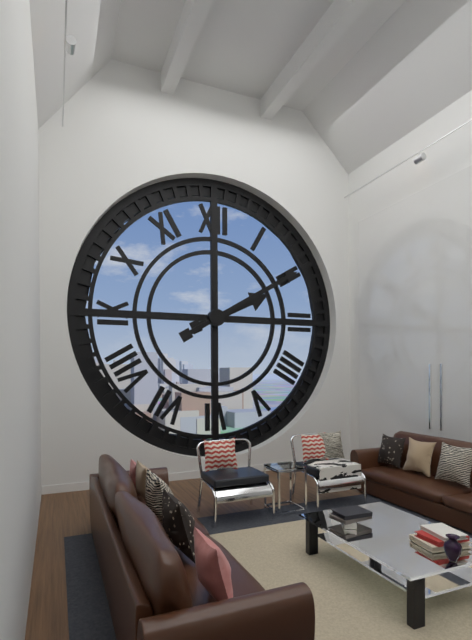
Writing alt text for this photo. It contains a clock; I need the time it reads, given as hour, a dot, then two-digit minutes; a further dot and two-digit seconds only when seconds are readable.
2.10
